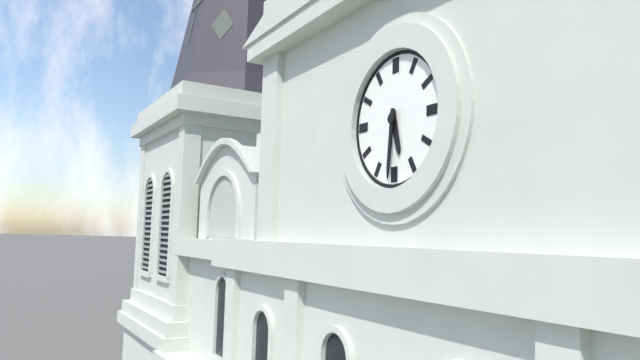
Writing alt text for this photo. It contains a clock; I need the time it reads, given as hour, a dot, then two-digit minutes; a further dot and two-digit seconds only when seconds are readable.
5.31
